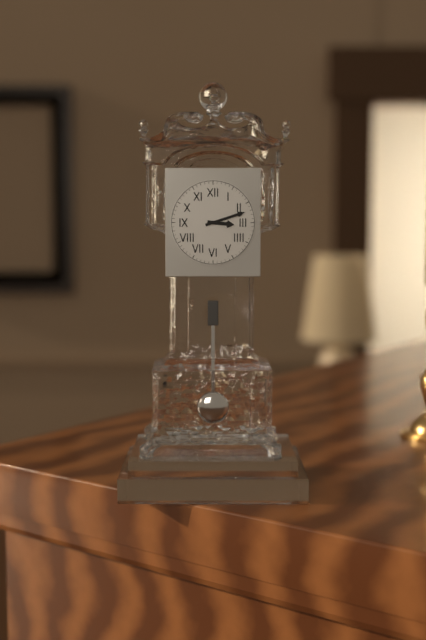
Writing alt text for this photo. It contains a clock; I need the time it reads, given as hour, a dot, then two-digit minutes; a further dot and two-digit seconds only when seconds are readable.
3.12
